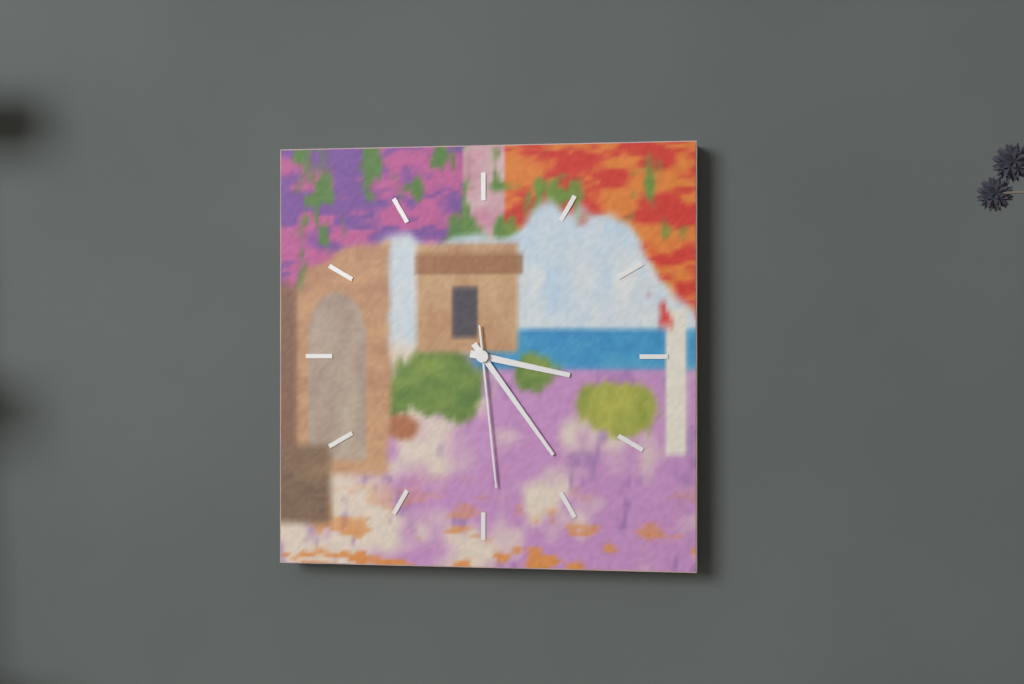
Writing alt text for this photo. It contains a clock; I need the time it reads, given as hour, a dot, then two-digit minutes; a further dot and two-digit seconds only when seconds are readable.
3.24.29
